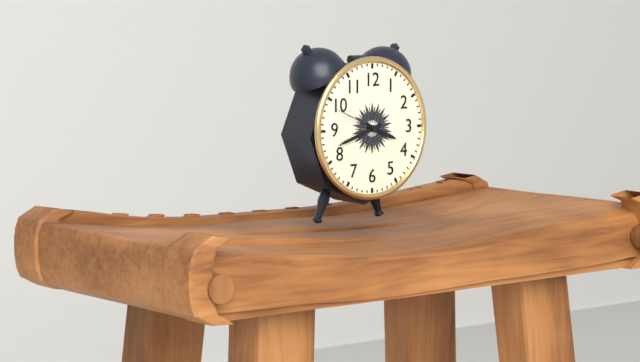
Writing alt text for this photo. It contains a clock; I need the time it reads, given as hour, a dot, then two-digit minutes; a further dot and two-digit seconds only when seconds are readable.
3.42.49
